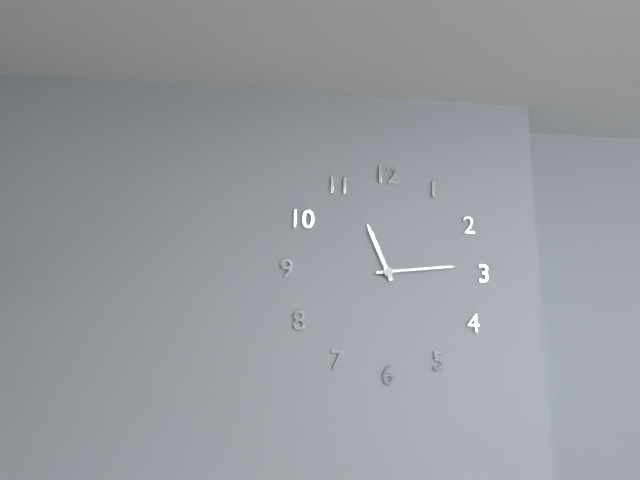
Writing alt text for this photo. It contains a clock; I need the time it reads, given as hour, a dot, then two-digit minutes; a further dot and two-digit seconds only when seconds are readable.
11.14
